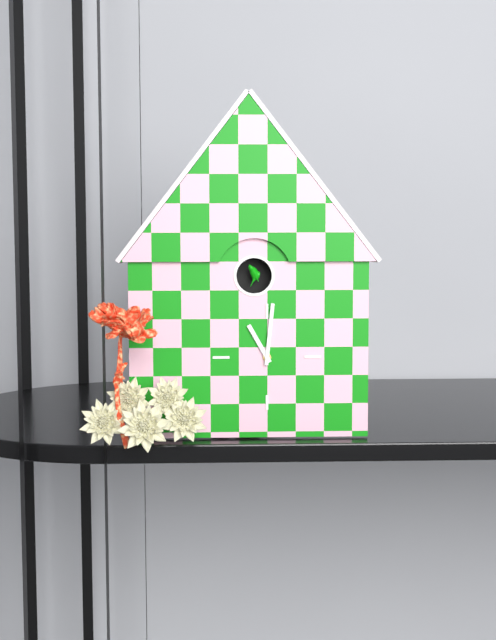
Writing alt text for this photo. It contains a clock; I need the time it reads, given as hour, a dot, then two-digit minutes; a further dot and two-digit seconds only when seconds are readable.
11.01
